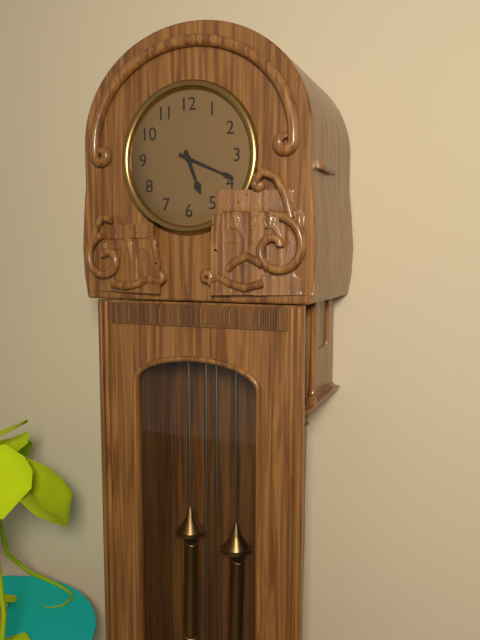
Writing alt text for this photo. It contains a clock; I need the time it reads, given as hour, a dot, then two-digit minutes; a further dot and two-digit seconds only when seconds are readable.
5.19
